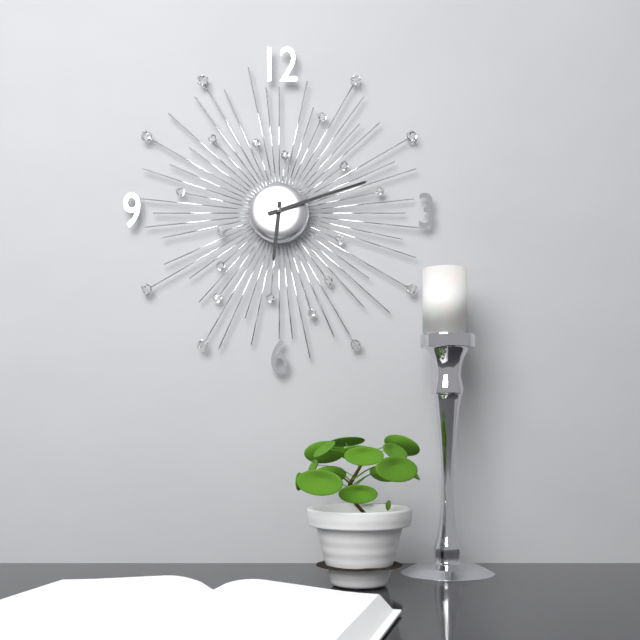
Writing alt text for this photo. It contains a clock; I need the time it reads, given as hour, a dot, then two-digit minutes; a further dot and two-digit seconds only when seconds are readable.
6.12
